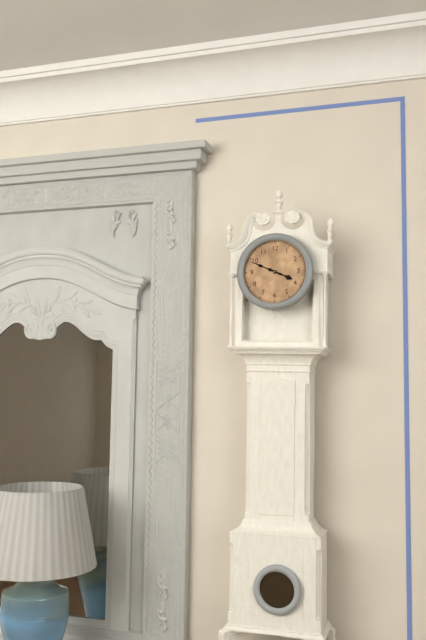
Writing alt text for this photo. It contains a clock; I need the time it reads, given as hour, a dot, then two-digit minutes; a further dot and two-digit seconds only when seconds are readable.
3.49
